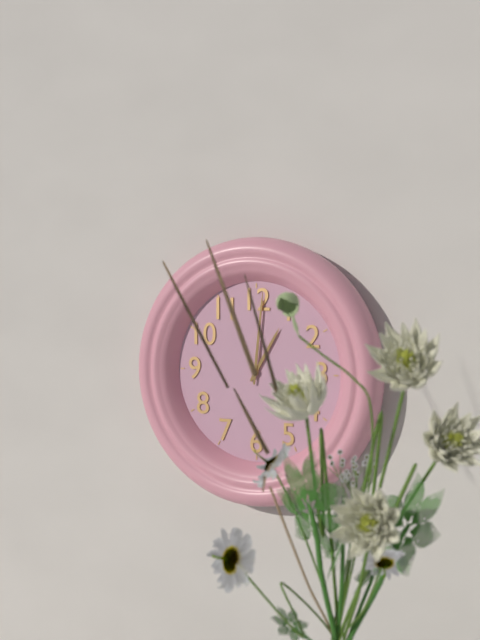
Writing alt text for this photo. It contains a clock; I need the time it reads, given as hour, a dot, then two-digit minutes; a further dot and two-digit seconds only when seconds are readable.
1.01
